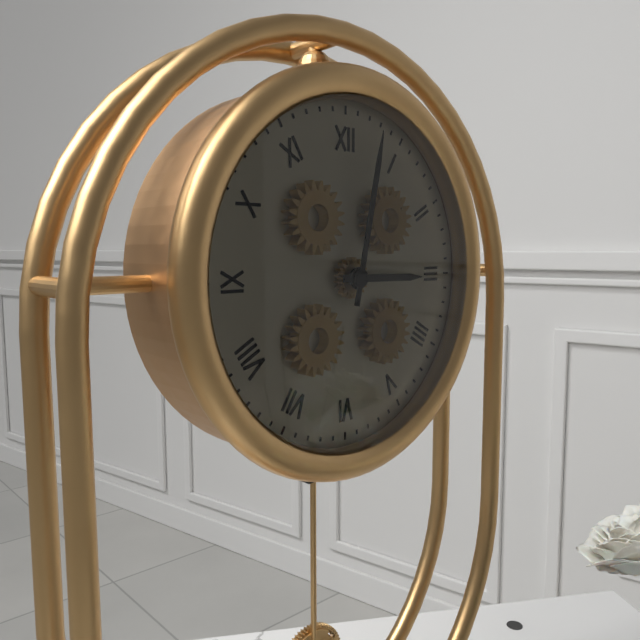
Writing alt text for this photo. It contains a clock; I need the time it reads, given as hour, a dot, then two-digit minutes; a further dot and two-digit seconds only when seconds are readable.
3.02
